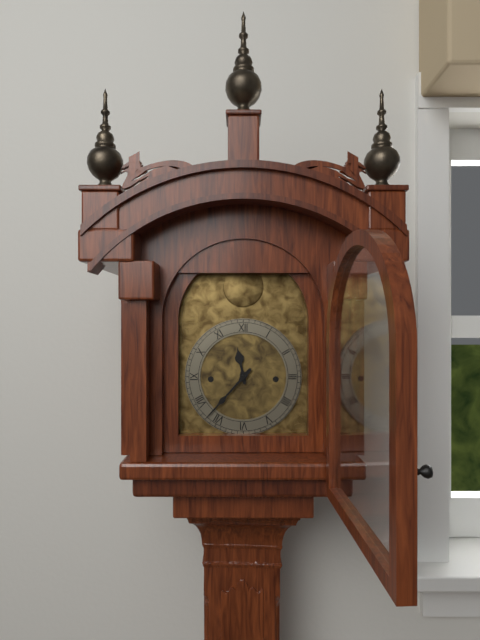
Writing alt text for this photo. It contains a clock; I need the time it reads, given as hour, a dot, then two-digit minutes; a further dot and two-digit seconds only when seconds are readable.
11.37
